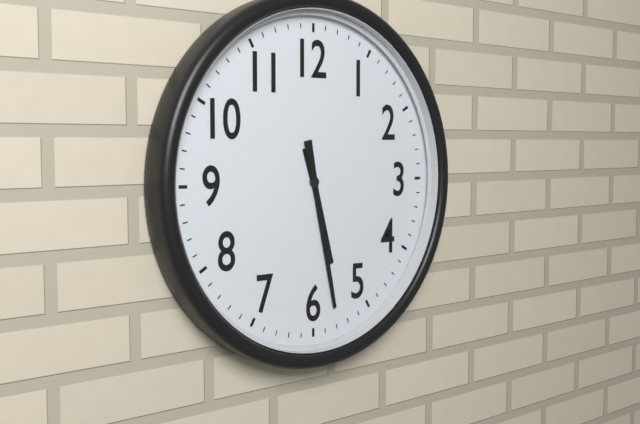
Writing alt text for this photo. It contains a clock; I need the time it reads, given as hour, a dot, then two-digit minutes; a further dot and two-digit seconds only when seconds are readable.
5.28
